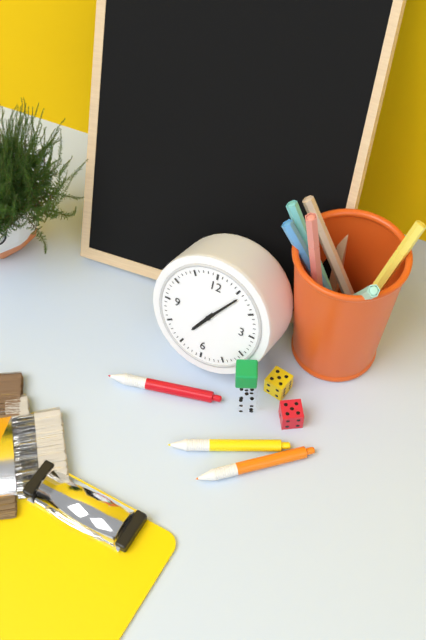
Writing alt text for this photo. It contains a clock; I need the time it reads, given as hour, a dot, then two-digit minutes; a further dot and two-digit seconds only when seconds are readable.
7.06
